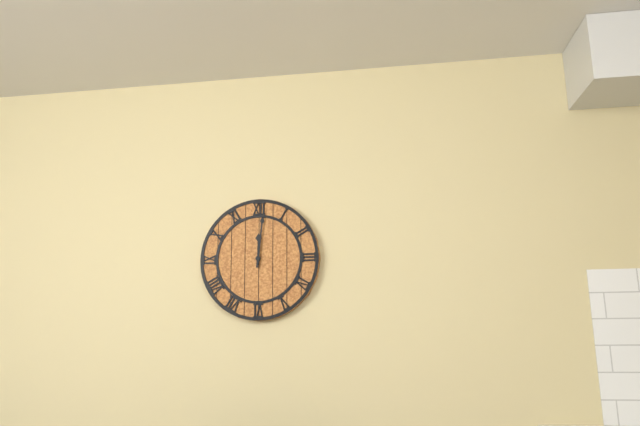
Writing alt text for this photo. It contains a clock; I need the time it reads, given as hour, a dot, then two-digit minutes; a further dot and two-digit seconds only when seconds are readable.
12.01
